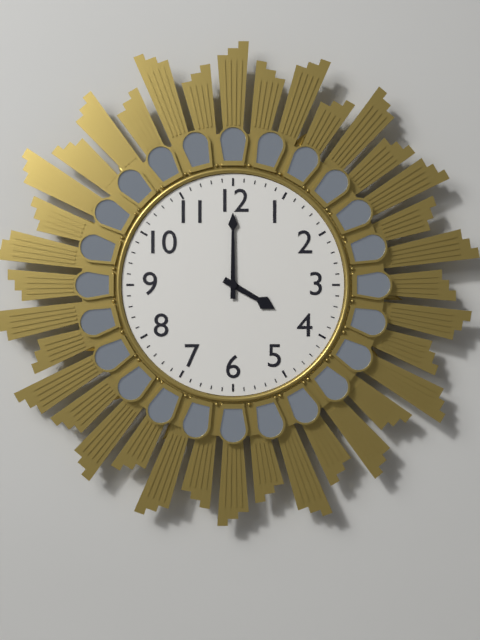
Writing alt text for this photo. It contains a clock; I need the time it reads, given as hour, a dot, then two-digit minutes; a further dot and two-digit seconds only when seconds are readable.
4.00
